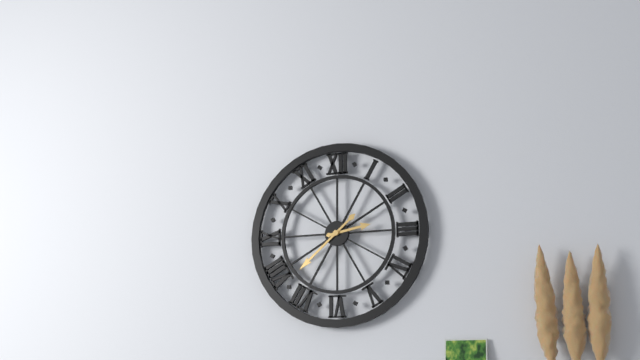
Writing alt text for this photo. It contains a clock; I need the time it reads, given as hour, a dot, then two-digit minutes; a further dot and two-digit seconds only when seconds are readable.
2.38
